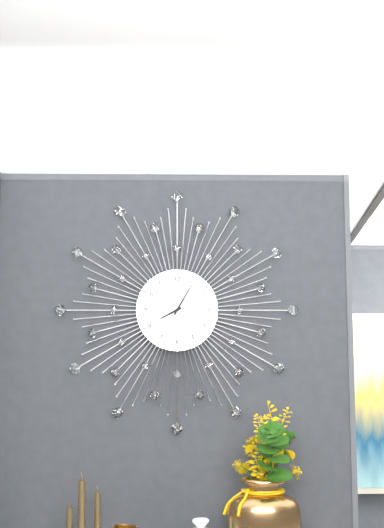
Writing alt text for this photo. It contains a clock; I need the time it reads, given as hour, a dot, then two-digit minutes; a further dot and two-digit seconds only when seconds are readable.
8.05
